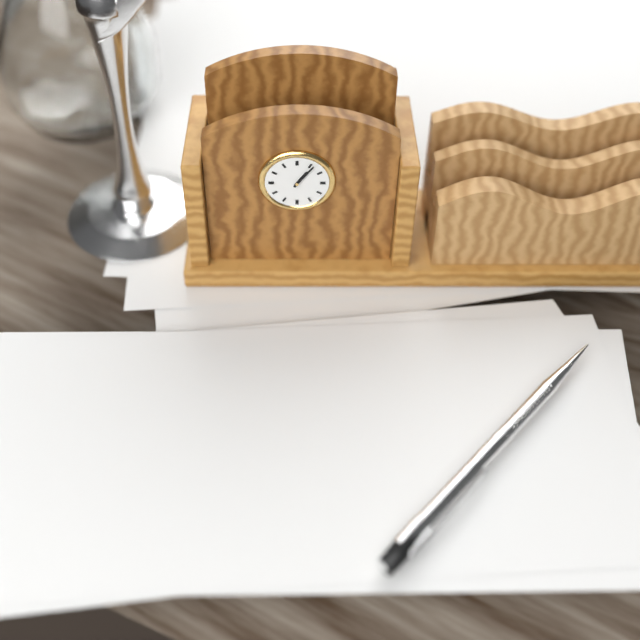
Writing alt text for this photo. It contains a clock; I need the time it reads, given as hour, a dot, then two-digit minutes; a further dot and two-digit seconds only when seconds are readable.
1.06
